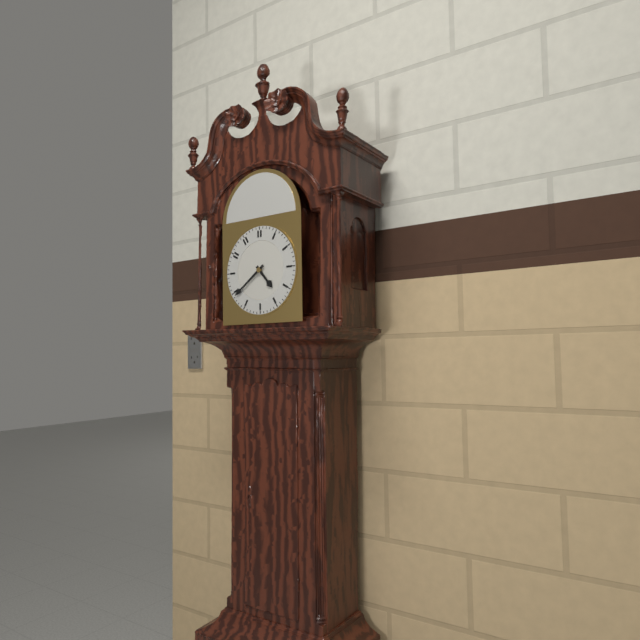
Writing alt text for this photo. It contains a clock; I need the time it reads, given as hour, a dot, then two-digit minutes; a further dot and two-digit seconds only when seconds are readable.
4.39
